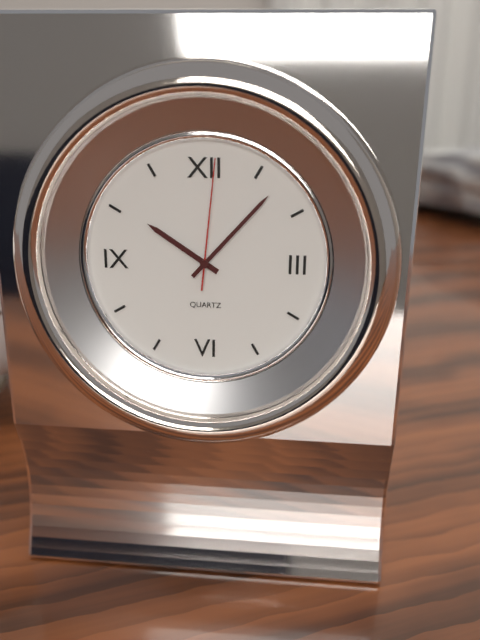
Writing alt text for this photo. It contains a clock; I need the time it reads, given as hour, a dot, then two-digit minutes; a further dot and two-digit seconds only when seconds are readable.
10.07.01
